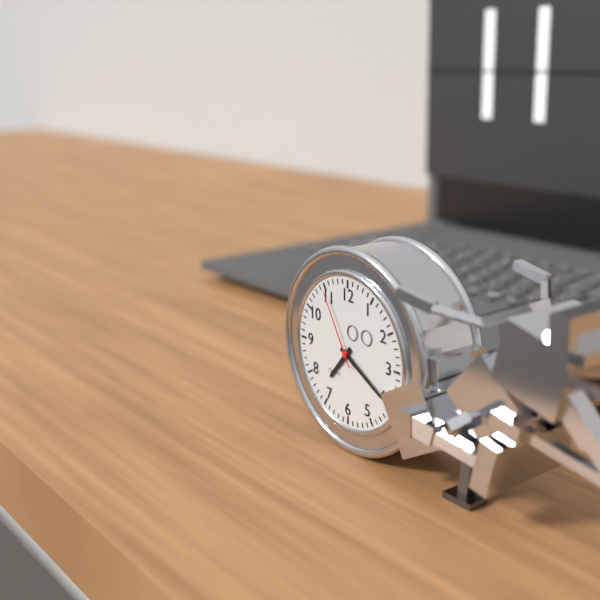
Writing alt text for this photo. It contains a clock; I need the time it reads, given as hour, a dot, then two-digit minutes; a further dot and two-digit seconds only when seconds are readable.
7.20.55
